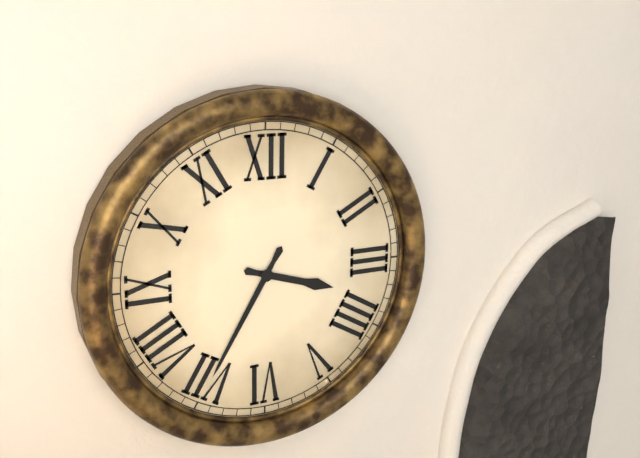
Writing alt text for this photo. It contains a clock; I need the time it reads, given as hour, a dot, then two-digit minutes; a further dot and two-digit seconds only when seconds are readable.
3.35
